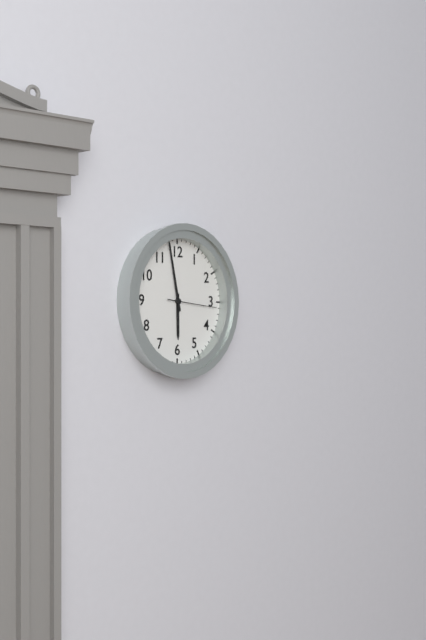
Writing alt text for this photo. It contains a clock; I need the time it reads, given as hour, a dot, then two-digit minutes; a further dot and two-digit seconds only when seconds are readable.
5.58
